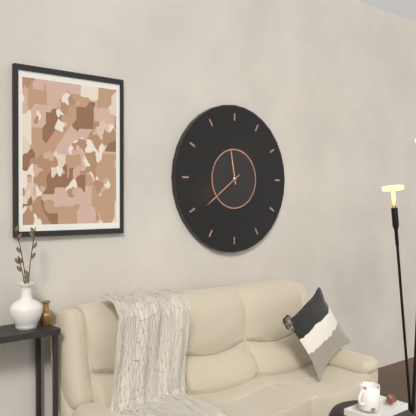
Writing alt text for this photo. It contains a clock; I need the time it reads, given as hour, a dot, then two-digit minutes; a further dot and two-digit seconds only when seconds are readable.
11.39
